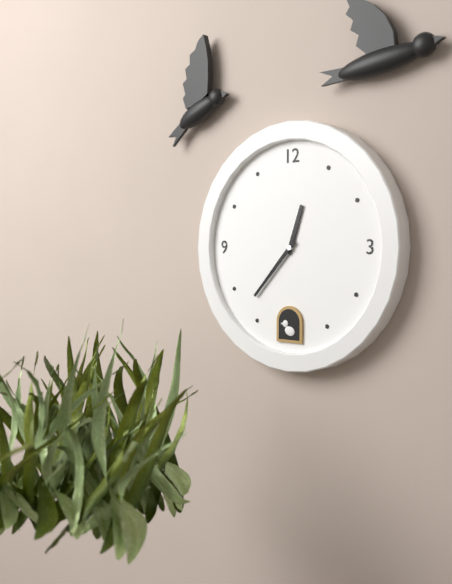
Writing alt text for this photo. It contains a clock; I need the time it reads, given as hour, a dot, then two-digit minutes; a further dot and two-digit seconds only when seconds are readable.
12.37
